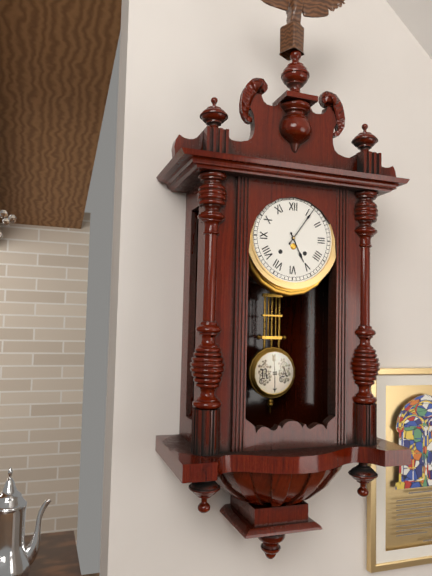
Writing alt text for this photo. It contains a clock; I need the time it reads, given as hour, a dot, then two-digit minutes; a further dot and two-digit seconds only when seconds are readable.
5.06
